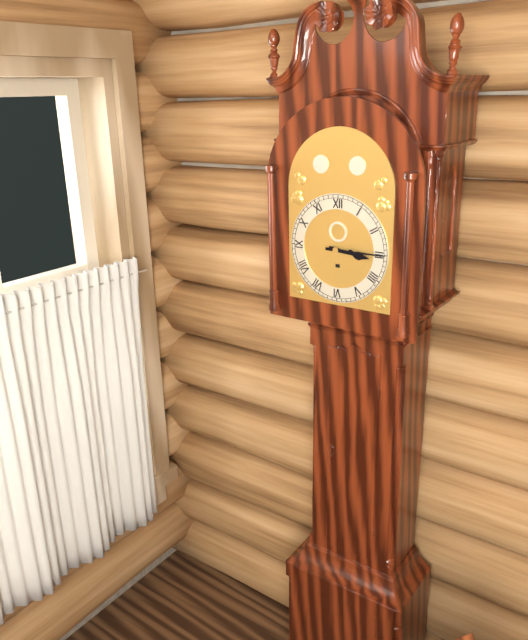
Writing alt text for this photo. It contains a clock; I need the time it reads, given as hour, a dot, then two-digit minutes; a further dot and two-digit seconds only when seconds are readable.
3.15
